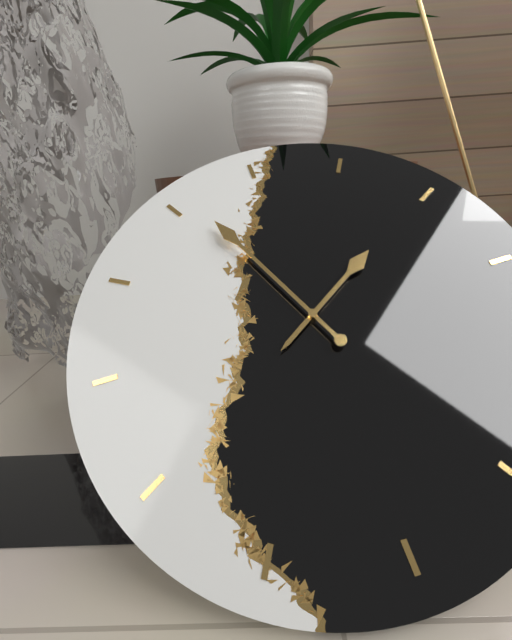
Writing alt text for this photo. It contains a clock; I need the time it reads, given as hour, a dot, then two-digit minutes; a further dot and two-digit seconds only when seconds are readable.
1.56
